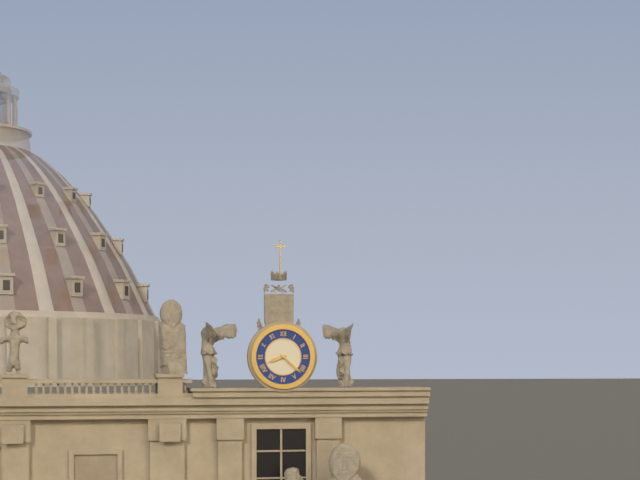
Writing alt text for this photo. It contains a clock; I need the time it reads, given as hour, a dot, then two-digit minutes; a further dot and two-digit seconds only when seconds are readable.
8.22
